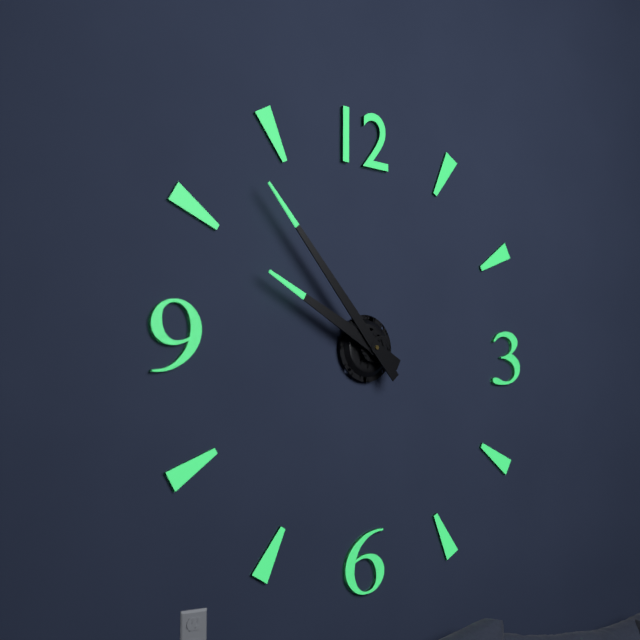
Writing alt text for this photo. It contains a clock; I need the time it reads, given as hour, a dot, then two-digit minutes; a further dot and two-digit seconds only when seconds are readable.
9.53
